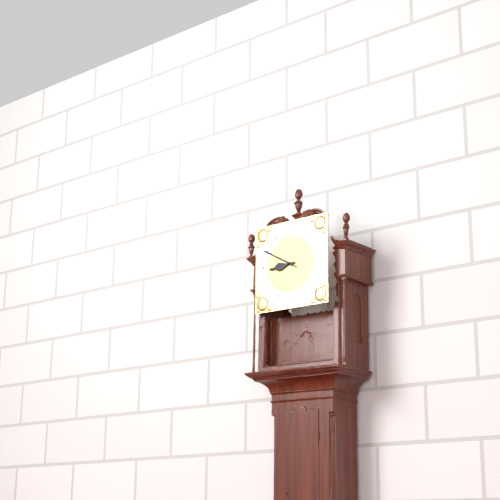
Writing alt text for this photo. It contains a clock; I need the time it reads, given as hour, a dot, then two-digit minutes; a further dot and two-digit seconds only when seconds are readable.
8.50
